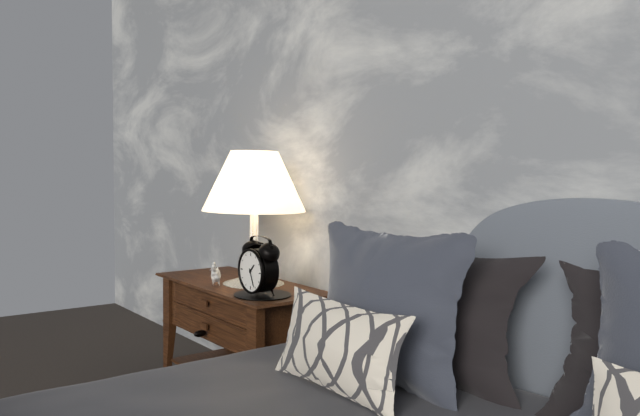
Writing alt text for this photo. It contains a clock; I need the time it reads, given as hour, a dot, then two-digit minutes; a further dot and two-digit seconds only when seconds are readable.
1.26
